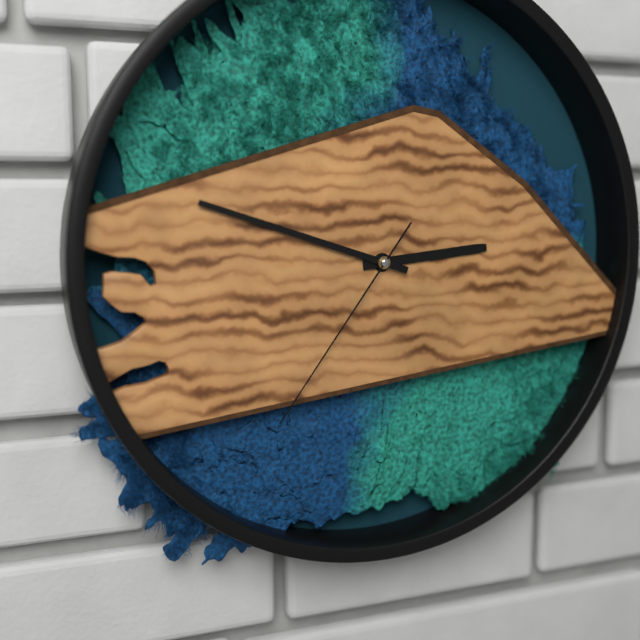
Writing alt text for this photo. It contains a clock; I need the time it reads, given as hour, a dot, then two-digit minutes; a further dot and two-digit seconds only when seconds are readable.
2.48.36
